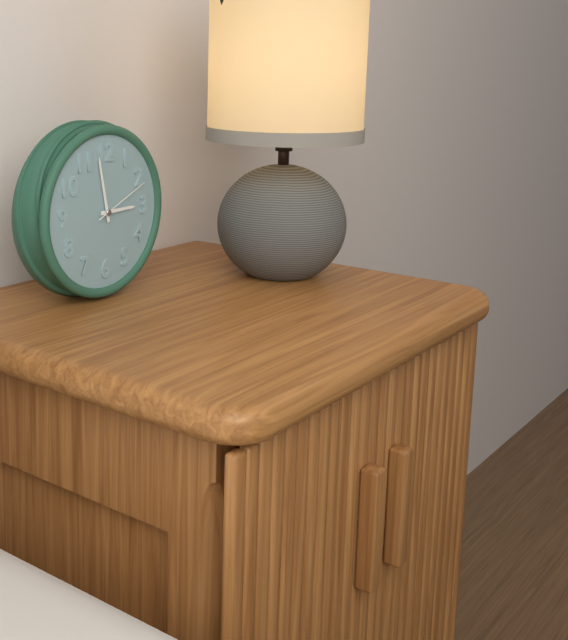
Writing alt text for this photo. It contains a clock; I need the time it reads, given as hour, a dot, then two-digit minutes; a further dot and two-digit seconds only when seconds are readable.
2.58.11
